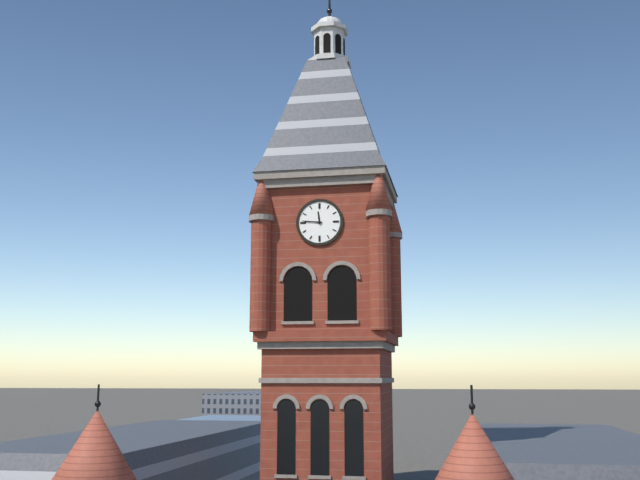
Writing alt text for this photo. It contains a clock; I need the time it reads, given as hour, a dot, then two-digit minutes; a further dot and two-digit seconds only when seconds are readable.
11.46
